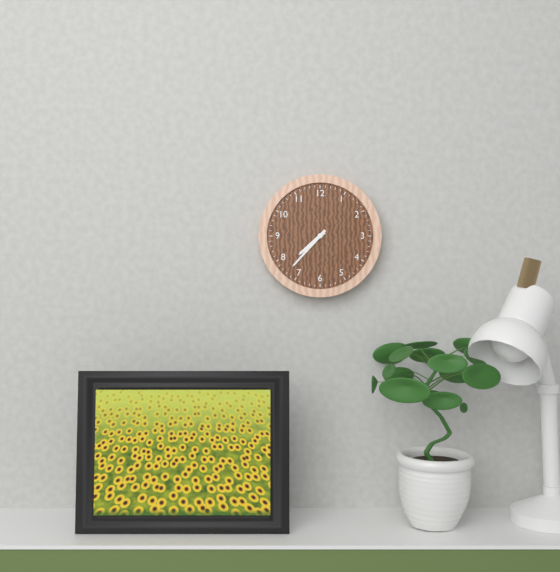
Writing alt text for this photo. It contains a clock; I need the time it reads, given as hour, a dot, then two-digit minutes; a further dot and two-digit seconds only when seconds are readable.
7.37
